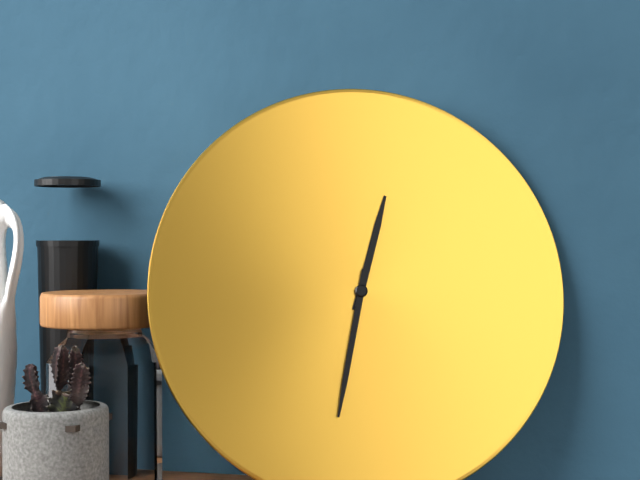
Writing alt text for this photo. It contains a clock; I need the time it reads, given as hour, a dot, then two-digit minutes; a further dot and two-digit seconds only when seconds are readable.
12.32
